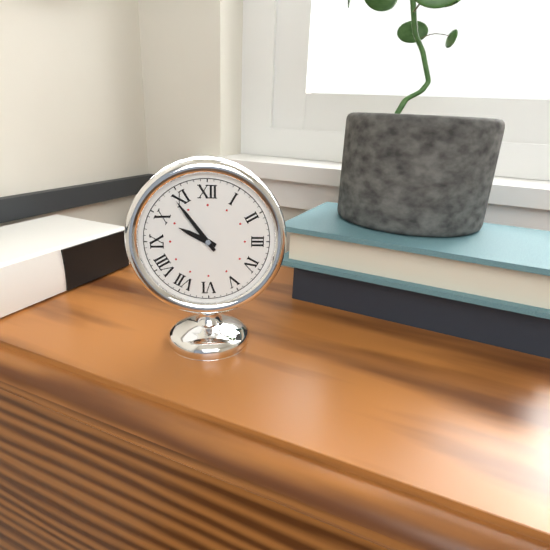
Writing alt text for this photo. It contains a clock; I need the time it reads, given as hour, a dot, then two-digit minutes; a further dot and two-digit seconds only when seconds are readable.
9.54
